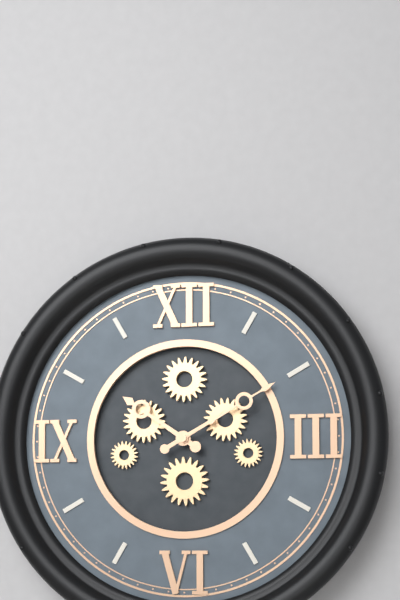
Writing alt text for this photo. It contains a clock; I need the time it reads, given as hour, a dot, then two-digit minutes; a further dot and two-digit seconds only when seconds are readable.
10.10
